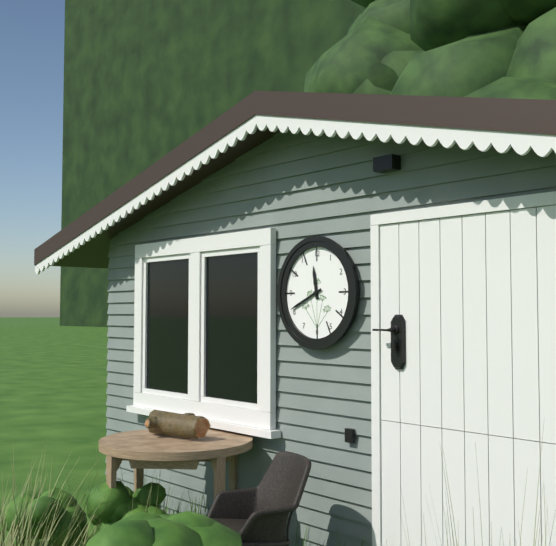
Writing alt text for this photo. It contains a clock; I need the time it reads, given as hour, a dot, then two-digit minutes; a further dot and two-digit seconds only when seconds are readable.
11.41
